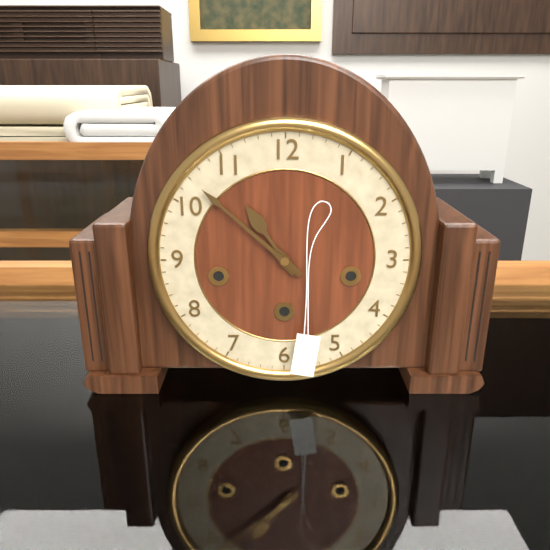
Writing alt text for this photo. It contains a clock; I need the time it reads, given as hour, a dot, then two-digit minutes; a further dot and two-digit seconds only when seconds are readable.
10.52
